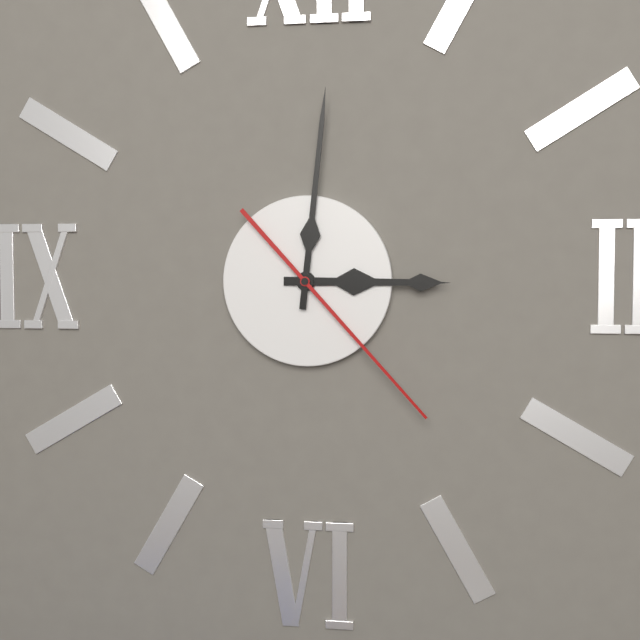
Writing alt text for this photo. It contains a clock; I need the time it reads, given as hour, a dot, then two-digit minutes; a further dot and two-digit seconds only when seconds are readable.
3.01.23
